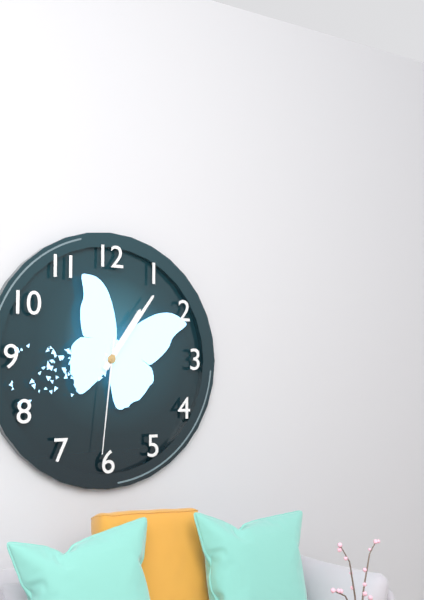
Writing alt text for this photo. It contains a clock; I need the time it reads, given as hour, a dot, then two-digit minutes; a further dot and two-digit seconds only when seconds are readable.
1.06.31
